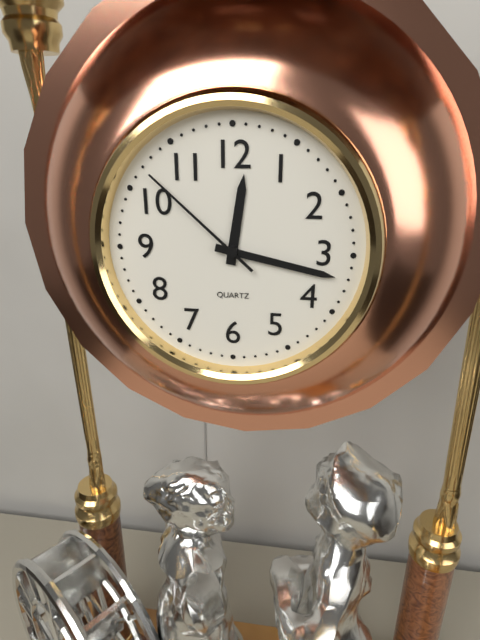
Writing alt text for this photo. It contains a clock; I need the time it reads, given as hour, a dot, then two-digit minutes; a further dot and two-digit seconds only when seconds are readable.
12.17.52
